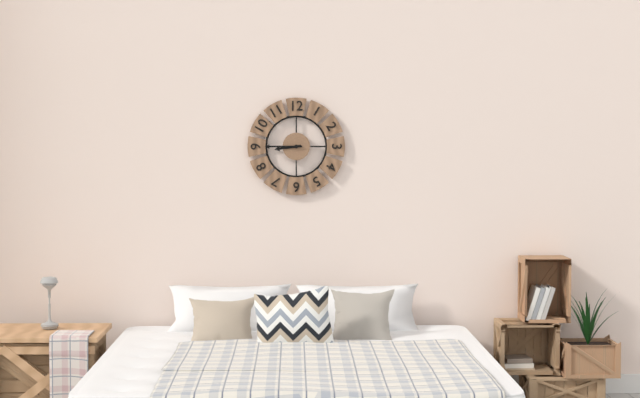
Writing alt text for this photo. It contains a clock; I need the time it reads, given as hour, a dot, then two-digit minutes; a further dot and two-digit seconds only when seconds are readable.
8.45
